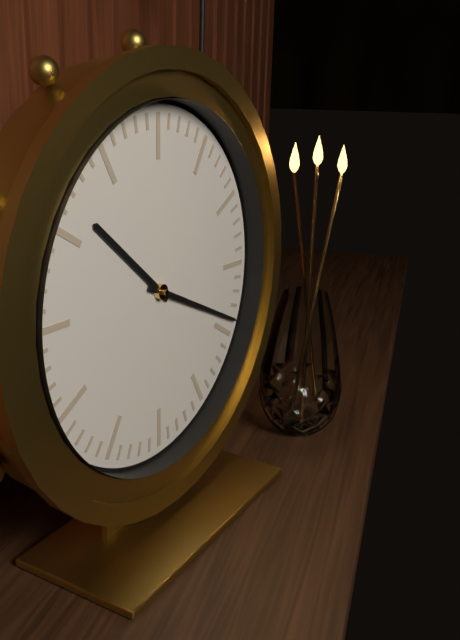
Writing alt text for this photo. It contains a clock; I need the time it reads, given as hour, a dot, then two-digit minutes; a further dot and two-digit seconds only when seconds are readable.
10.19
